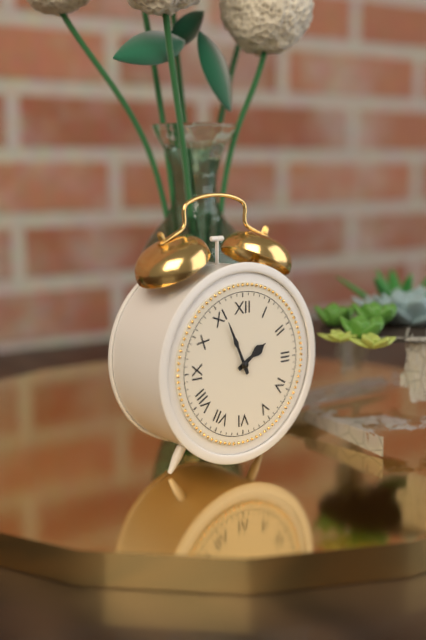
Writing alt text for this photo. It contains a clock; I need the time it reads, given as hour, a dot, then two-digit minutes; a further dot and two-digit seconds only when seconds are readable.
1.56
